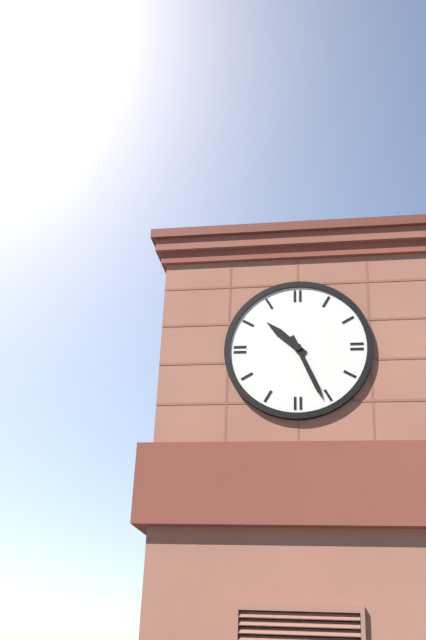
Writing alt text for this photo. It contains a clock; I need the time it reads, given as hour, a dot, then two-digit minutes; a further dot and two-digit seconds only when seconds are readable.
10.26
